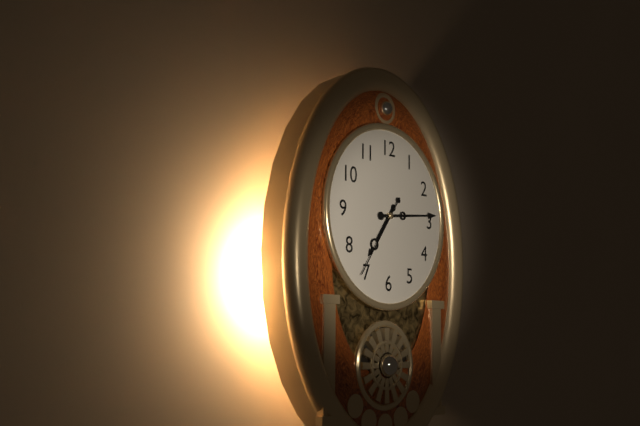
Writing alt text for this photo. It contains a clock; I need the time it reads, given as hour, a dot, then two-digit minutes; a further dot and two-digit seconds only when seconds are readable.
7.14.36
